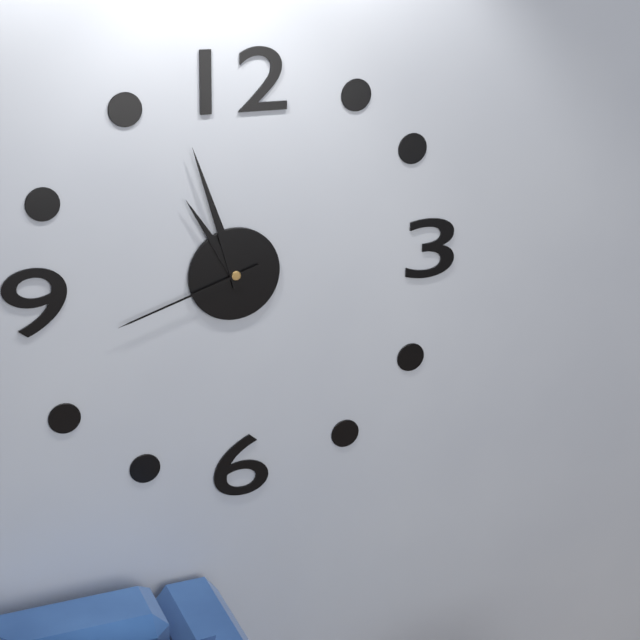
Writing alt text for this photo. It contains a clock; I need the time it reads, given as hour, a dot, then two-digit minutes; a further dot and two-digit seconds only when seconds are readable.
10.57.42
